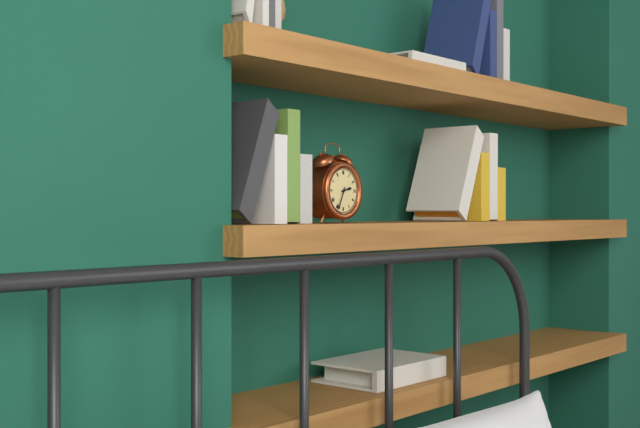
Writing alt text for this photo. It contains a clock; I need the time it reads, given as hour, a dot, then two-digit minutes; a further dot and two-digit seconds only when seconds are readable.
2.34
